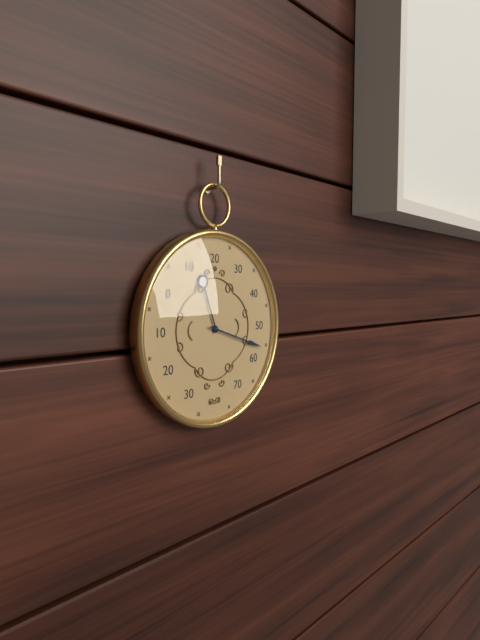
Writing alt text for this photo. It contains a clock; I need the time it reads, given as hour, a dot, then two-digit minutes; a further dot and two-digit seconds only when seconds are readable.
11.18
